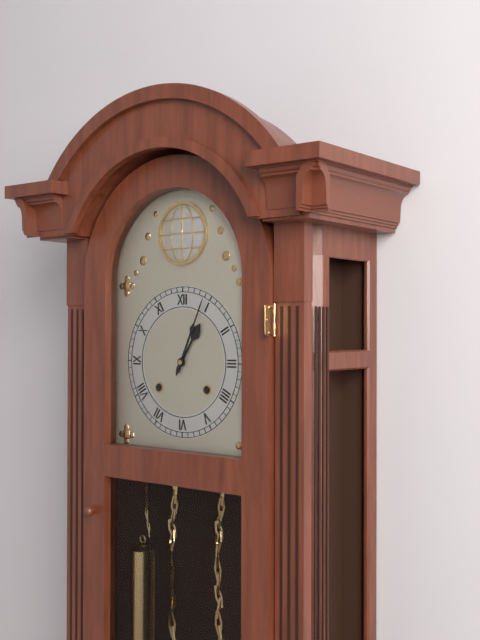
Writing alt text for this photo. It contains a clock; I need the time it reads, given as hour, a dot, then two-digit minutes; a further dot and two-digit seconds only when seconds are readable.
1.04
